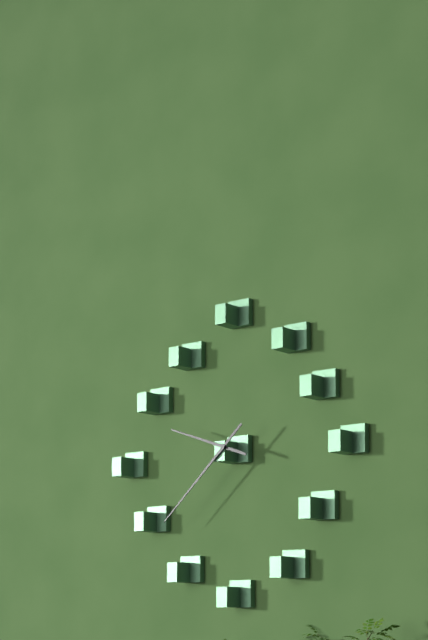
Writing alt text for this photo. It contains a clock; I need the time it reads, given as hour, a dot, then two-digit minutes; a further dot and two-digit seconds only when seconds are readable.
9.38
